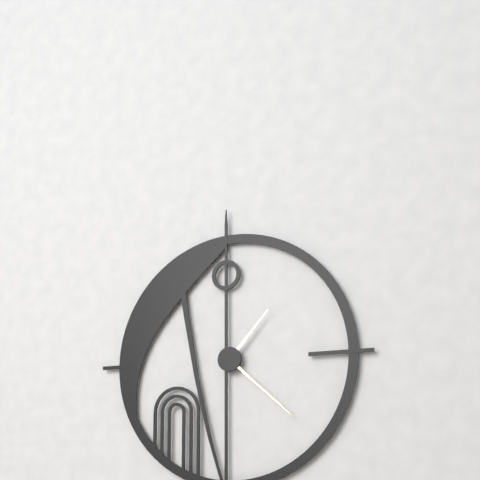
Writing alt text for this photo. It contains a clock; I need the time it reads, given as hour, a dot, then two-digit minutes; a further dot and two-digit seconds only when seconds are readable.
1.22
